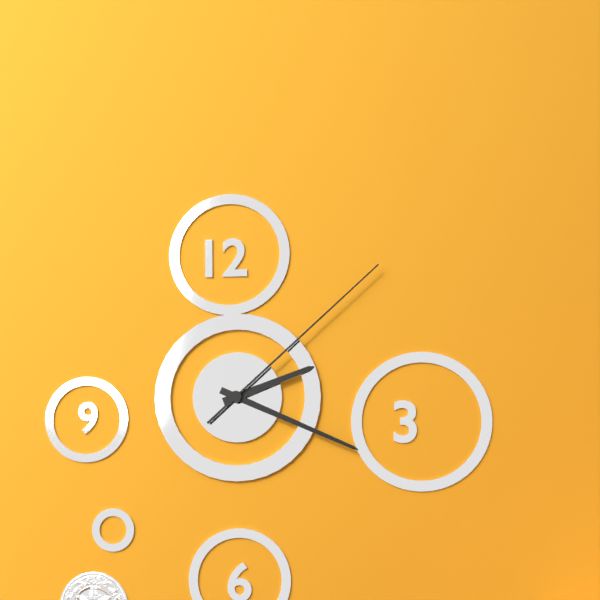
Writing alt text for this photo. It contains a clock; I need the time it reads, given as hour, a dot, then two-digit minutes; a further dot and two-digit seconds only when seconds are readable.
2.19.08
